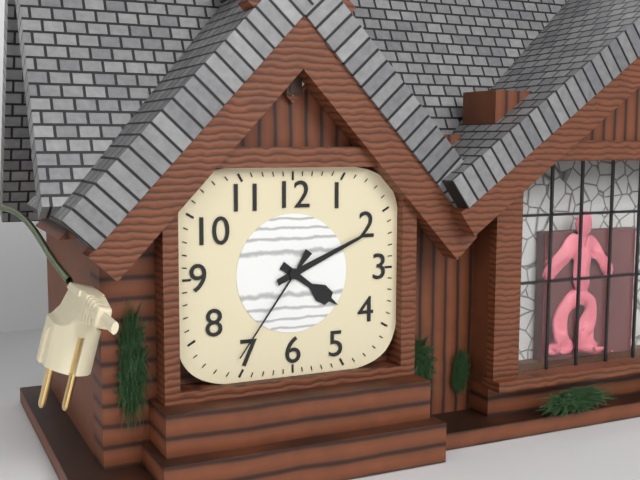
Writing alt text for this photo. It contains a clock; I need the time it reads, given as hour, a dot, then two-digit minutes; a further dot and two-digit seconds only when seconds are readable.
4.11.36
